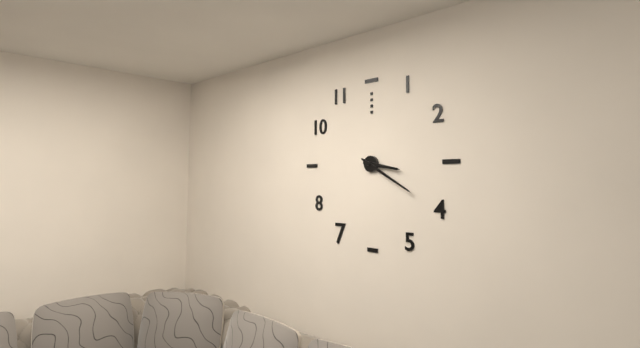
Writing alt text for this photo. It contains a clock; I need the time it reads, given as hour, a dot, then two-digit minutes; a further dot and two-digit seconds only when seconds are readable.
3.20
